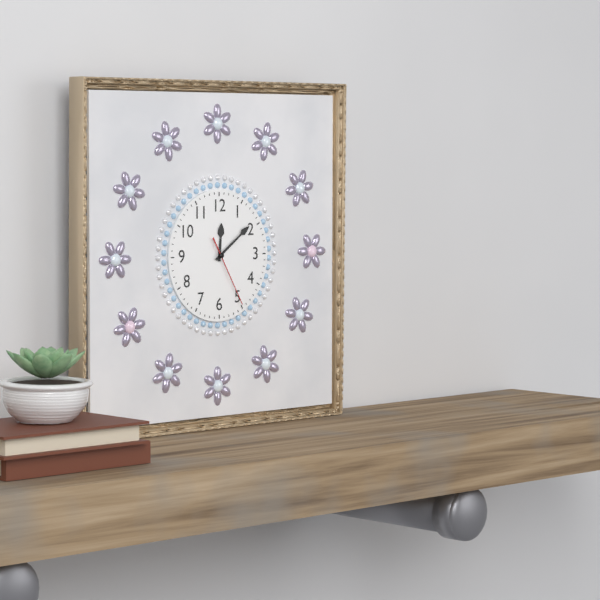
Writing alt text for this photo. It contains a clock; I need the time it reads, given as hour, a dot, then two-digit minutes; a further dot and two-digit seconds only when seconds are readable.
12.09.25
